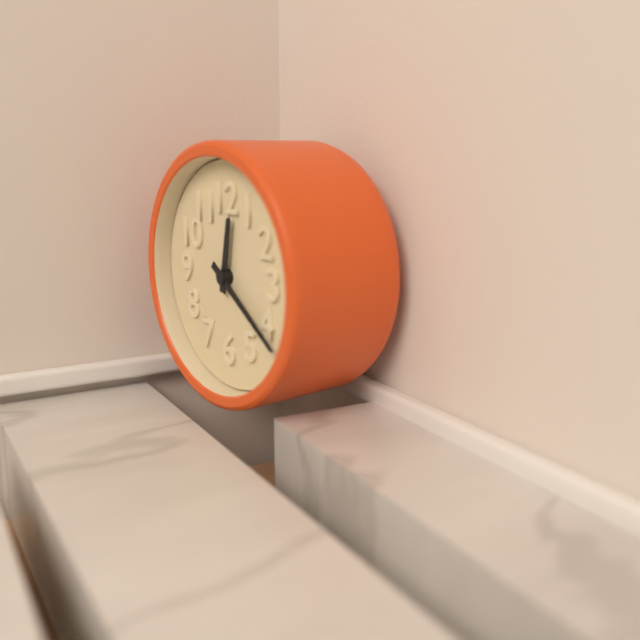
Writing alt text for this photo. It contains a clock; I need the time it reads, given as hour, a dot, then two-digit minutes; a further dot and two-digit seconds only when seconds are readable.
12.21
